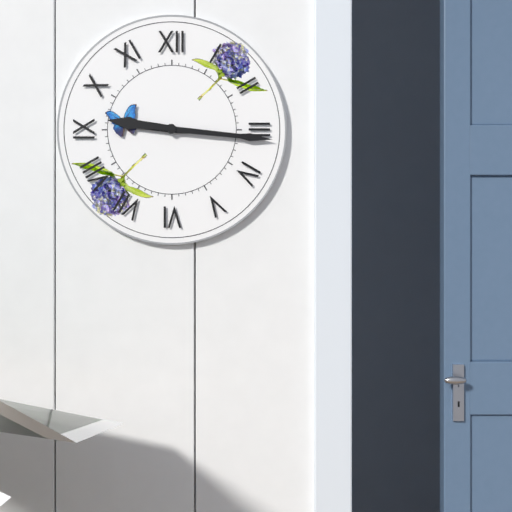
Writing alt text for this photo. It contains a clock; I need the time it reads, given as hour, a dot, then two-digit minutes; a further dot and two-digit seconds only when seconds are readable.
9.16
